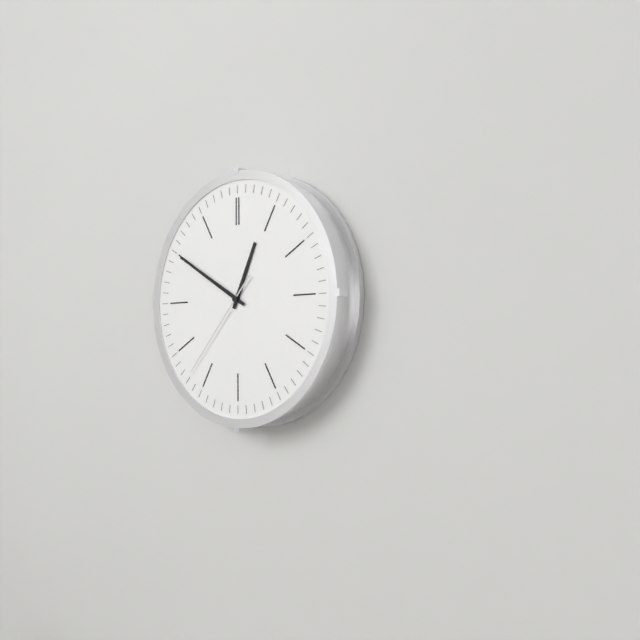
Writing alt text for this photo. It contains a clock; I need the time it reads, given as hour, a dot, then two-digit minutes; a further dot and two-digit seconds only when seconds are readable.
12.50.37
